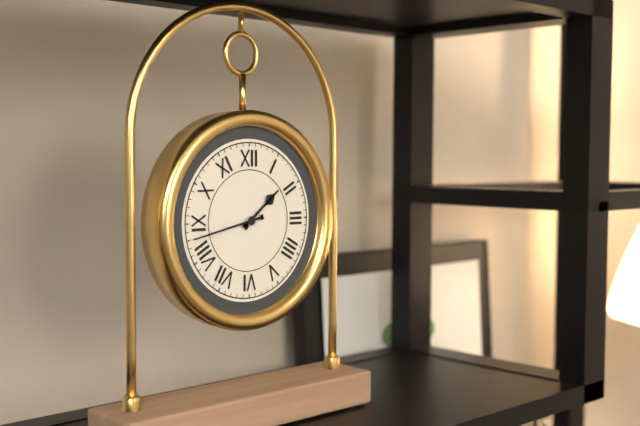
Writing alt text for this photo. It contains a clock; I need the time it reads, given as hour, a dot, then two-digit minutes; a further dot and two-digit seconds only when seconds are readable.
1.43
